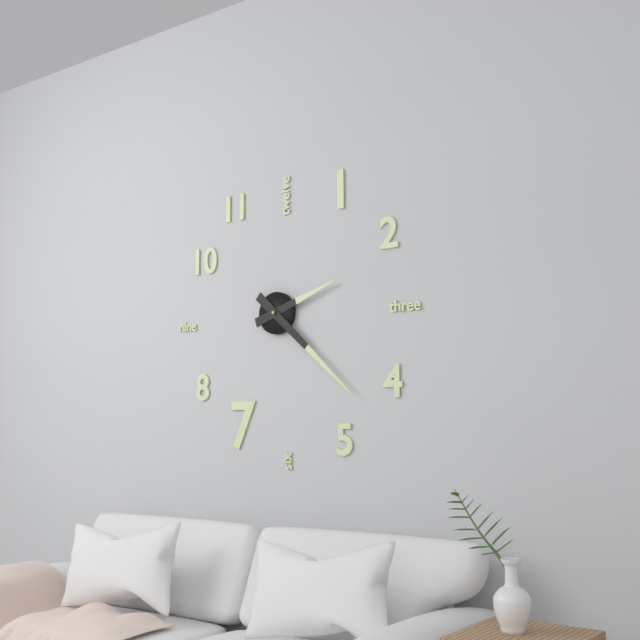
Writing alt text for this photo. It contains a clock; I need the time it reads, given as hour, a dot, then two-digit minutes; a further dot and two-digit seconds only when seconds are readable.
2.22
